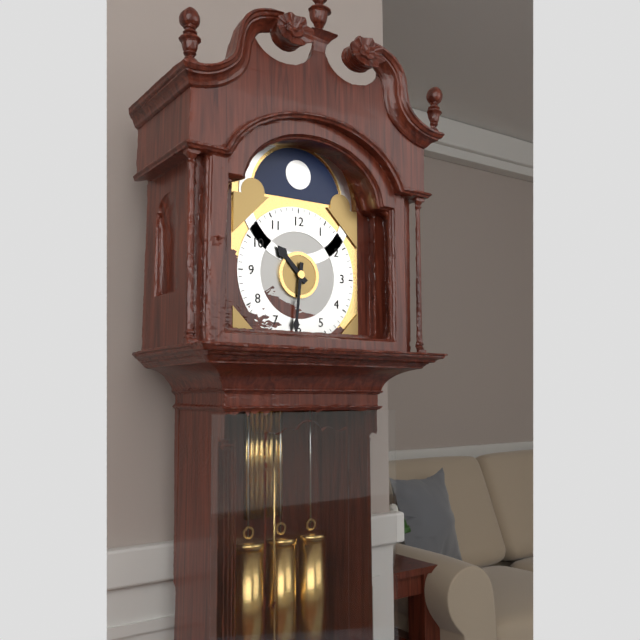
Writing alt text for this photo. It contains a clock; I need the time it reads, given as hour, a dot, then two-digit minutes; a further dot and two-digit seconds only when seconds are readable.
10.31
